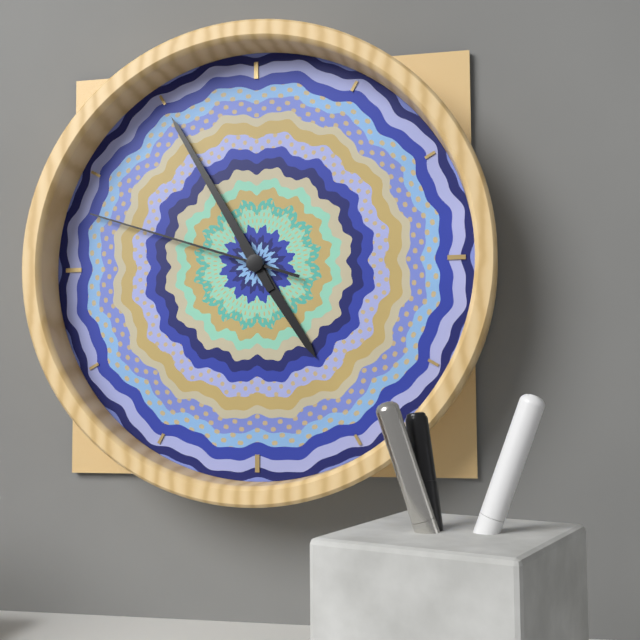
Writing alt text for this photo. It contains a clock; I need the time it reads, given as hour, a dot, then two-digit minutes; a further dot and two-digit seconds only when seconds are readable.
4.55.48
